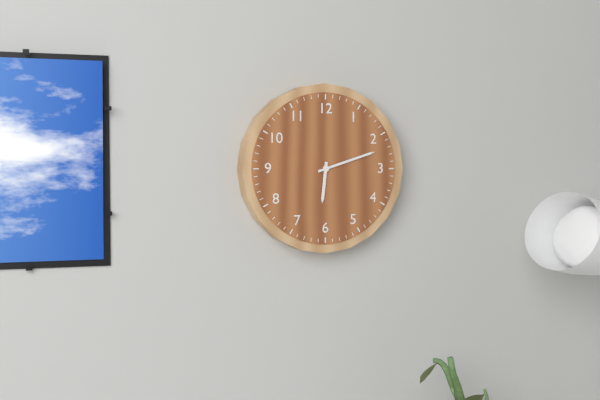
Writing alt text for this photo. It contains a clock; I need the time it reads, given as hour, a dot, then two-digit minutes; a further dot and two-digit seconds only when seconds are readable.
6.12
